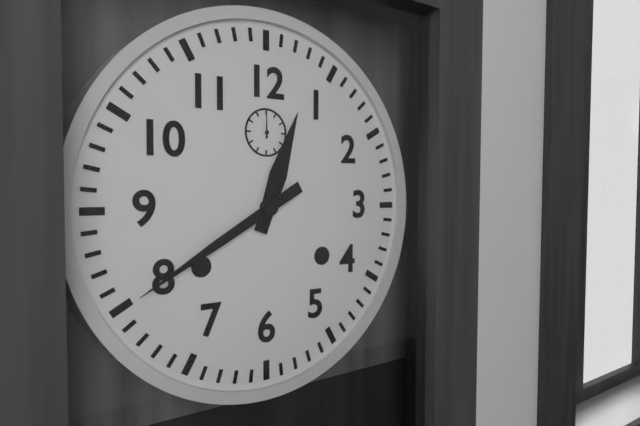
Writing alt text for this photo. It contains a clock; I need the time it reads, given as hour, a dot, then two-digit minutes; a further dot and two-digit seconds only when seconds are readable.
12.40
